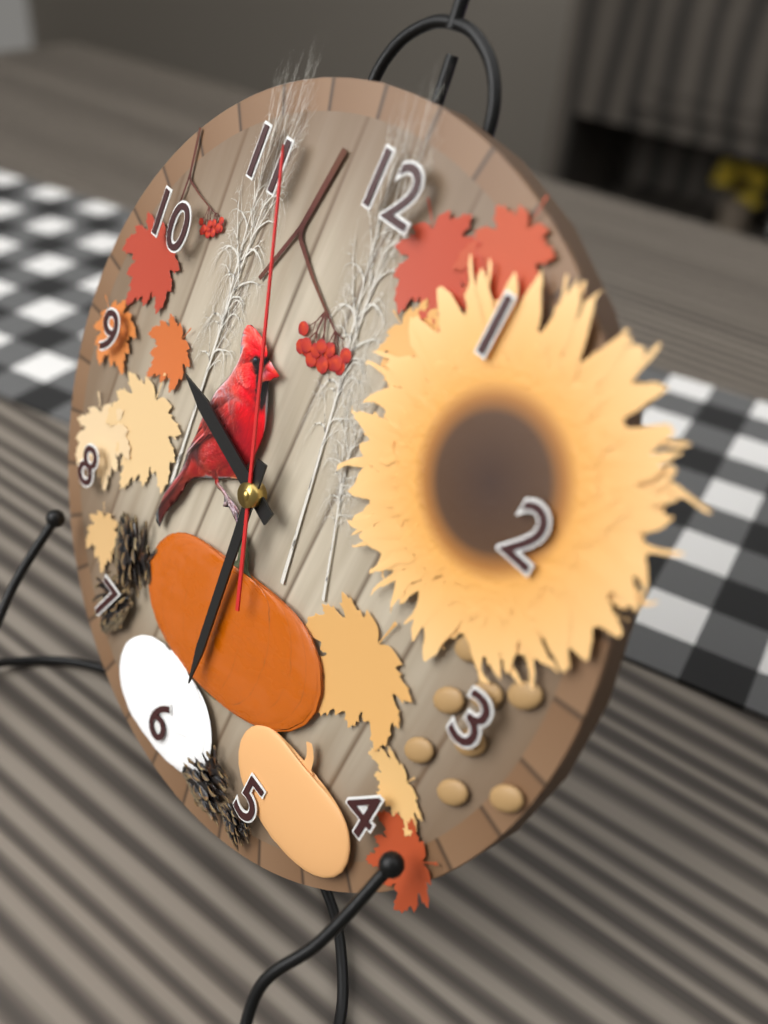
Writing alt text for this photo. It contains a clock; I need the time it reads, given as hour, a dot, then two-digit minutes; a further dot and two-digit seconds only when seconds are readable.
9.29.56
